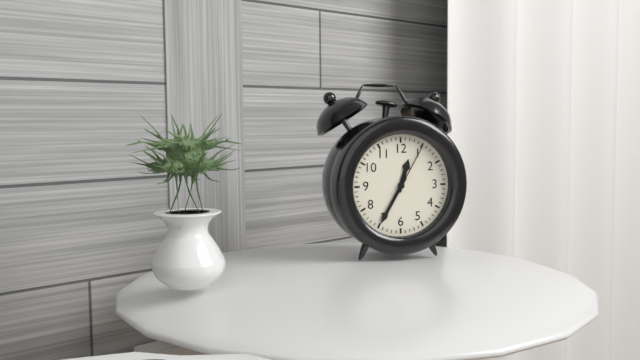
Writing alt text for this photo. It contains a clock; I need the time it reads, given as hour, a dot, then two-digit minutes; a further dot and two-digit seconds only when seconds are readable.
12.35.05
